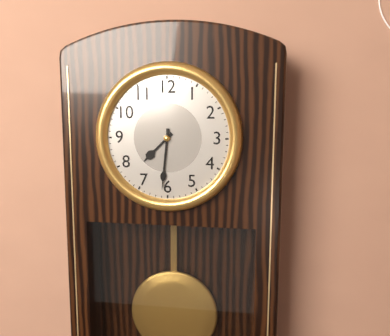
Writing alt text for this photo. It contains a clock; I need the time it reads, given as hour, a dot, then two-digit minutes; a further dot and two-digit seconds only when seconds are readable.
7.31
